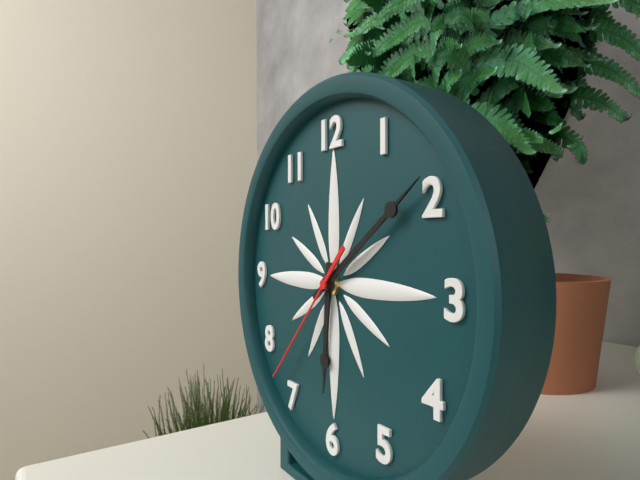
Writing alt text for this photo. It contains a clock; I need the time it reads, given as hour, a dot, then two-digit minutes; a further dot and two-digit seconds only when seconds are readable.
6.09.37
